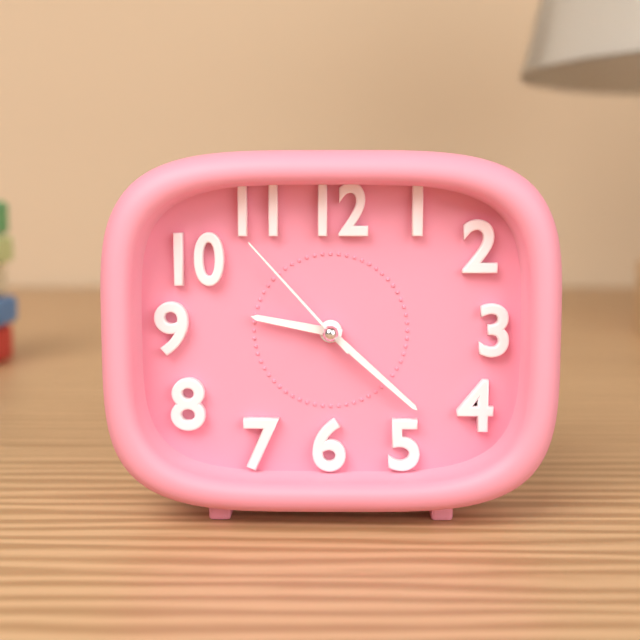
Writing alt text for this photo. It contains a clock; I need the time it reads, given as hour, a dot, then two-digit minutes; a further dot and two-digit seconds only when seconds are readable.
9.22.53
